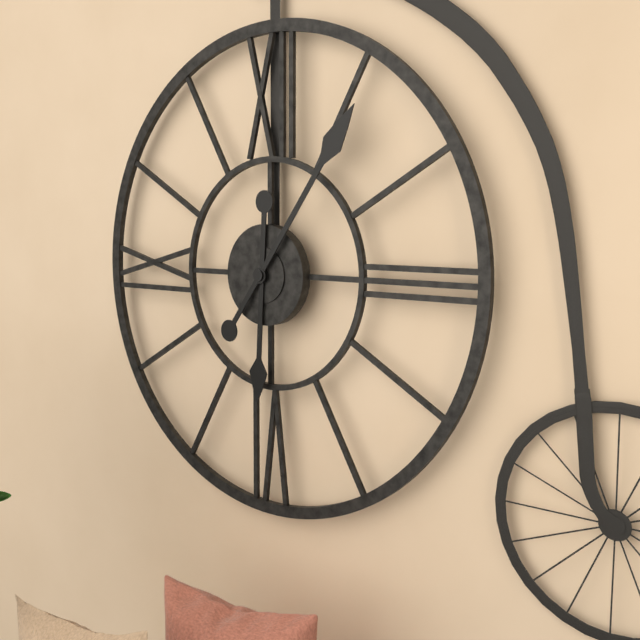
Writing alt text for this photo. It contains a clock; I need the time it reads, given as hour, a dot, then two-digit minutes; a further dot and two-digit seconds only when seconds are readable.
6.06
